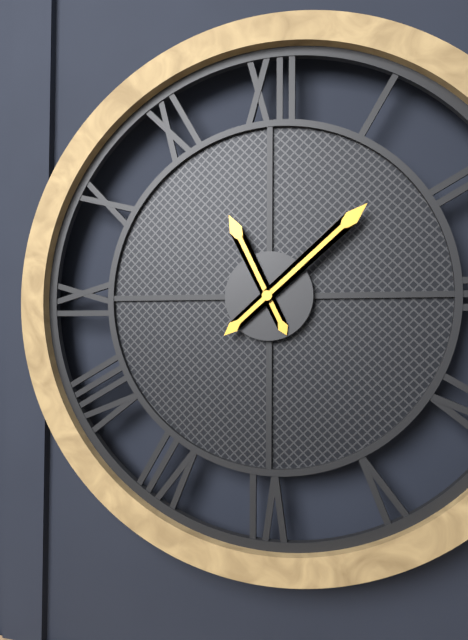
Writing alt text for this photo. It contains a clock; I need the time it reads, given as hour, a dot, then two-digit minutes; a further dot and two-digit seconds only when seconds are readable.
11.08
